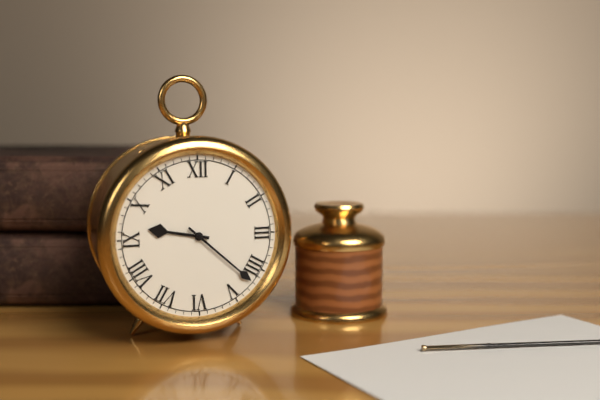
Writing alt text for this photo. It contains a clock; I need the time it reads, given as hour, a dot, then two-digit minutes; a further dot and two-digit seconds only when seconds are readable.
9.22
